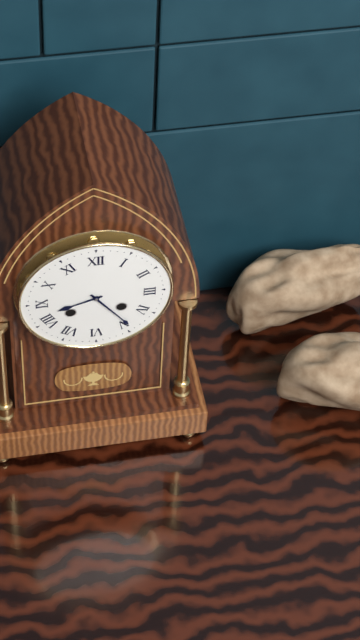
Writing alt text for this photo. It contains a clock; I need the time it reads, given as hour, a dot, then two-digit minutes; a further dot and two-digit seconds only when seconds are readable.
8.24
